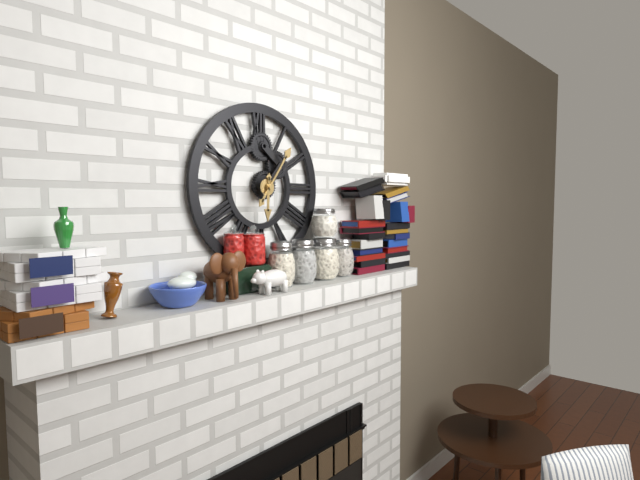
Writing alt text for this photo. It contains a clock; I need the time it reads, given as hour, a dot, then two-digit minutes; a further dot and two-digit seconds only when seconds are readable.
6.06
